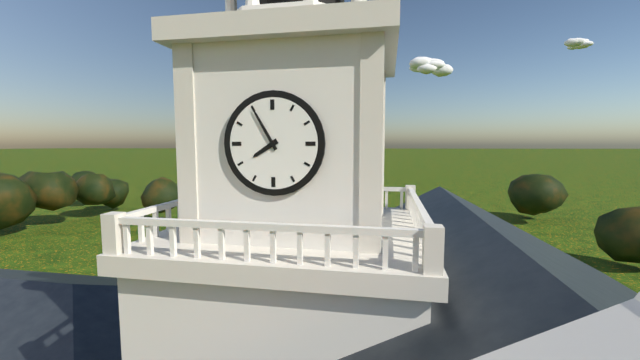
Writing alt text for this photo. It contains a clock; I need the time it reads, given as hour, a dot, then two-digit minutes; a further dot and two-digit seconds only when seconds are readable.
7.55
